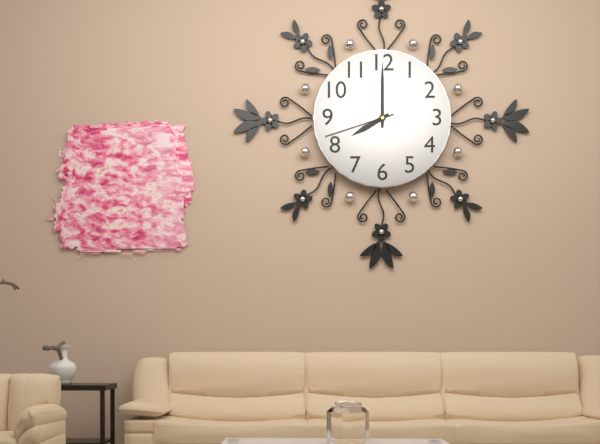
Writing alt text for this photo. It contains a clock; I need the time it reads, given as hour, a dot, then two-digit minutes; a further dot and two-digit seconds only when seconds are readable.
8.00.42
